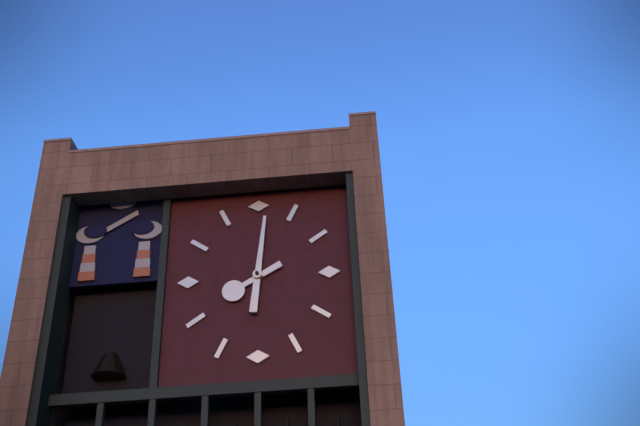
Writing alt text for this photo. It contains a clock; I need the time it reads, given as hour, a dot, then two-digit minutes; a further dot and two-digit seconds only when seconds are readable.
8.01
